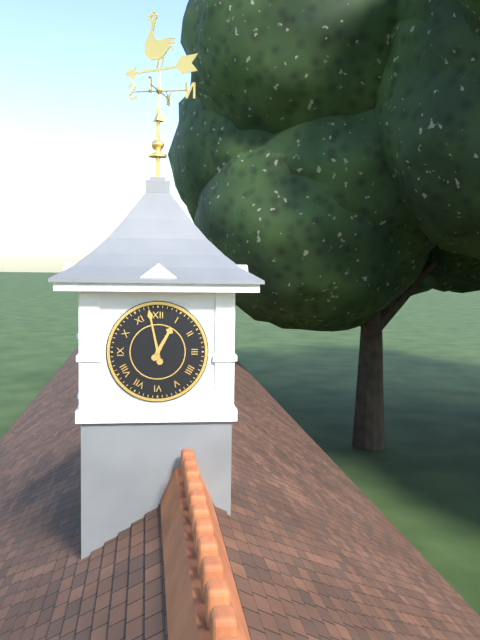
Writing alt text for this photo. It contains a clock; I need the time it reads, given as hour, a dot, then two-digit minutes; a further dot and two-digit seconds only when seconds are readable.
12.58
